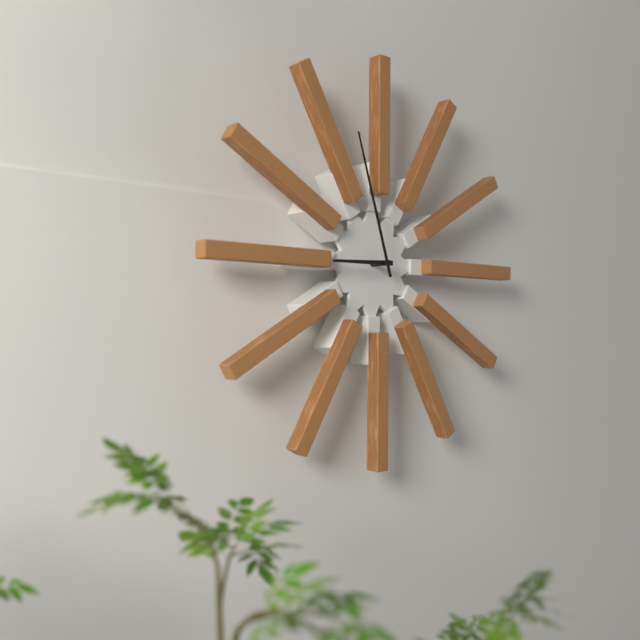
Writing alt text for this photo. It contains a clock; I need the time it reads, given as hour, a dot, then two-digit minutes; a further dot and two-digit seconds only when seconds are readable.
8.57
